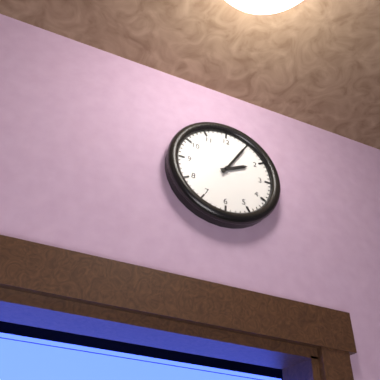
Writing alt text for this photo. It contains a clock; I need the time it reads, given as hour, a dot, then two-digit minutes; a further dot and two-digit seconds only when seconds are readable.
2.05
